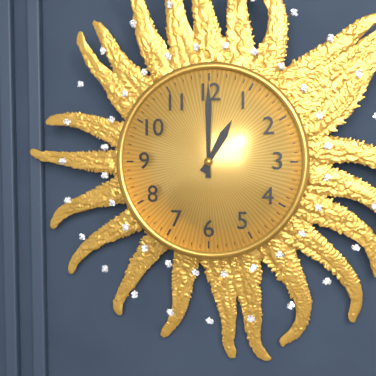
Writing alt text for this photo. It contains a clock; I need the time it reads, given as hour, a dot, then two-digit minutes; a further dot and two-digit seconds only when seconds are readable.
1.00
